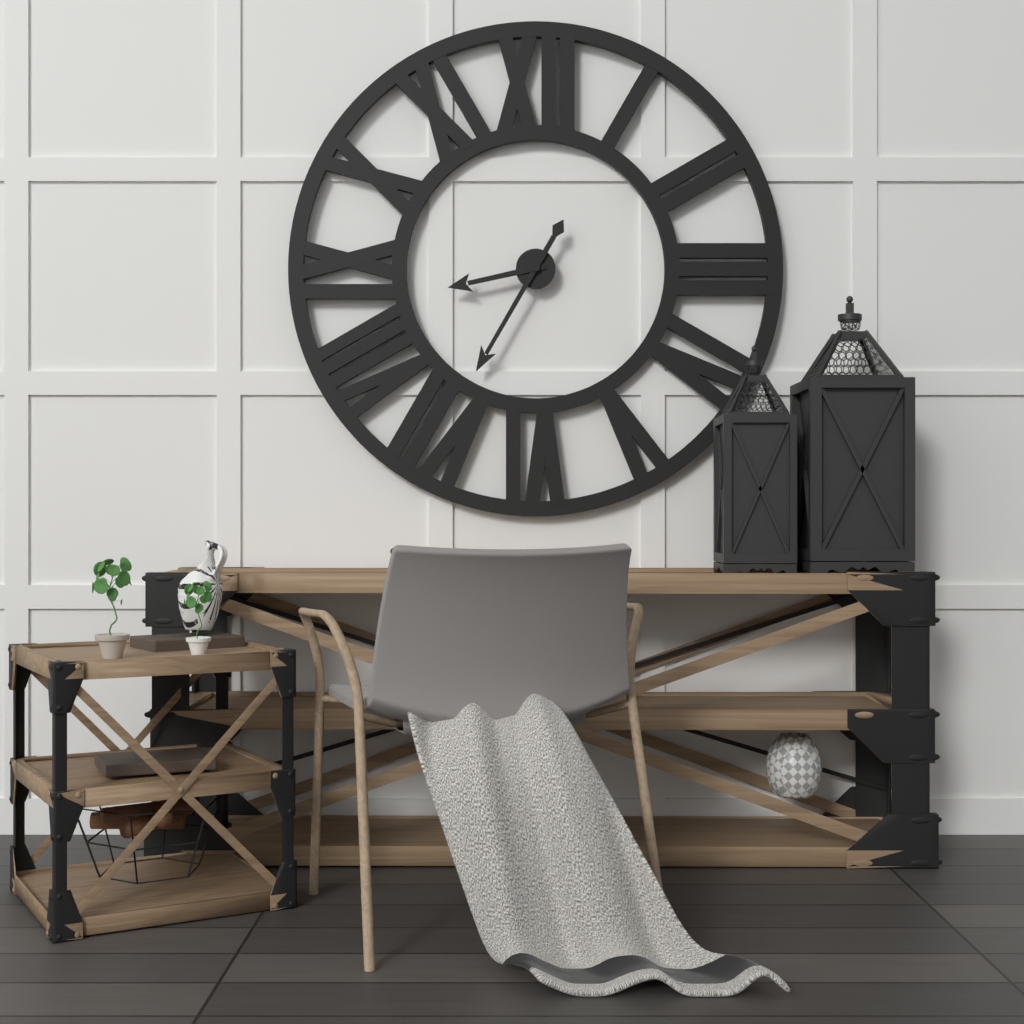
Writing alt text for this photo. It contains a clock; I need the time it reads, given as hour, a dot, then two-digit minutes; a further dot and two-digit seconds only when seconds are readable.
8.35
